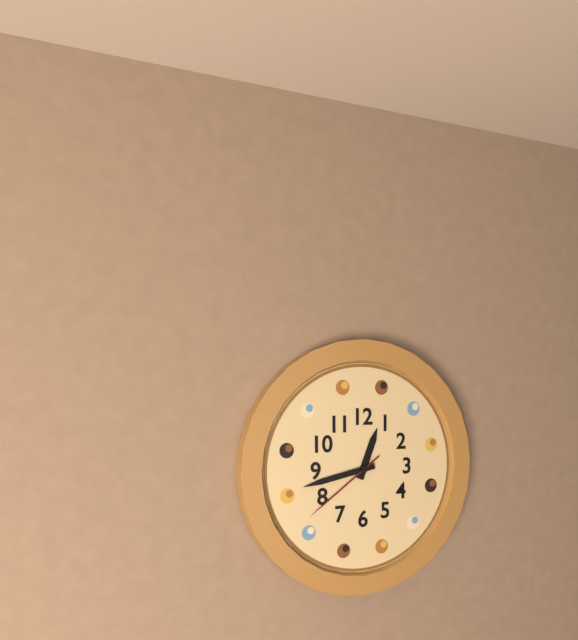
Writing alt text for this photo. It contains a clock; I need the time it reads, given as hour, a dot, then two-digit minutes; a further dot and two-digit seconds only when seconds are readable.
12.43.39
